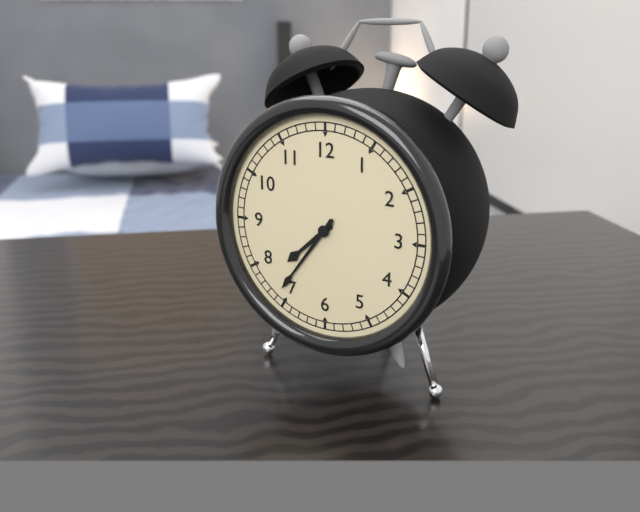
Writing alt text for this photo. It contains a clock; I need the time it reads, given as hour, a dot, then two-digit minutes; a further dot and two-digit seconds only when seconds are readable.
7.36
